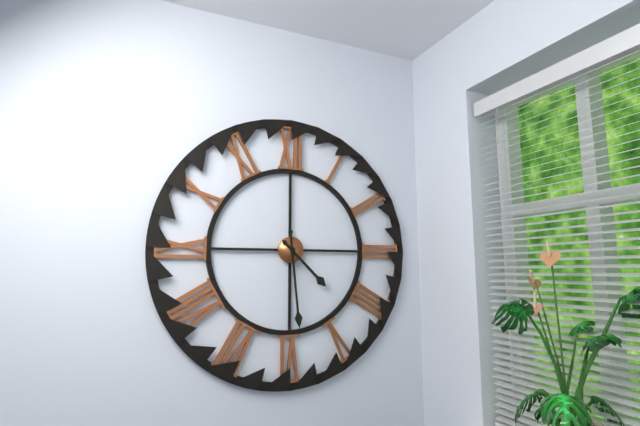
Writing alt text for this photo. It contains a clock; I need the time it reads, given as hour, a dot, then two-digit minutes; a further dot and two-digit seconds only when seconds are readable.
4.29
